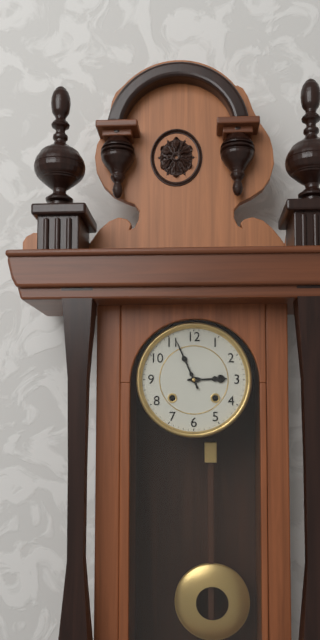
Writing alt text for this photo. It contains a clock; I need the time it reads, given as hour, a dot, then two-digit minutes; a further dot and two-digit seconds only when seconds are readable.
2.56
